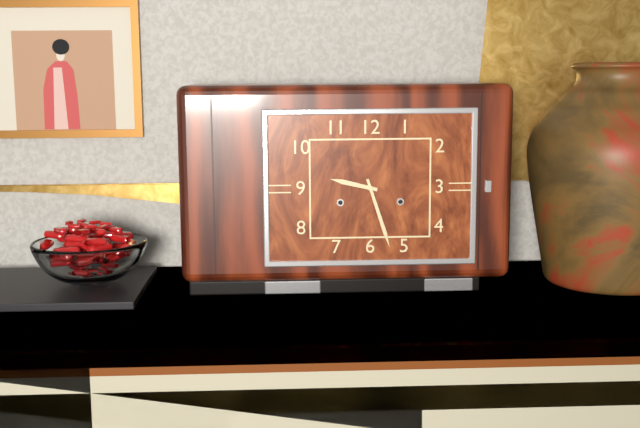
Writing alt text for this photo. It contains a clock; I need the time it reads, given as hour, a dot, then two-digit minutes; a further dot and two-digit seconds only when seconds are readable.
9.27
